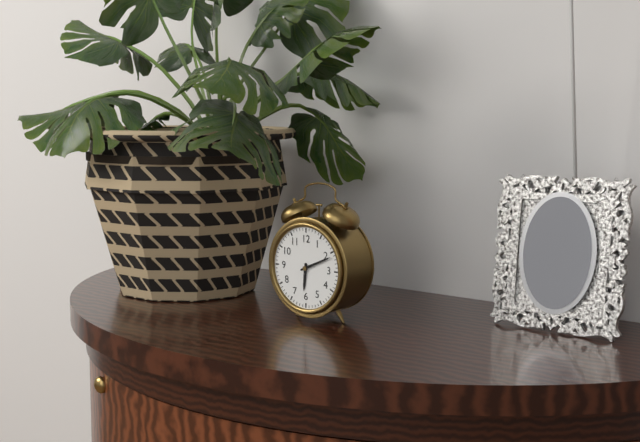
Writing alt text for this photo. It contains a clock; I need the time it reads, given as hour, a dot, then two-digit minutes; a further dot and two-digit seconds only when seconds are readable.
6.11
